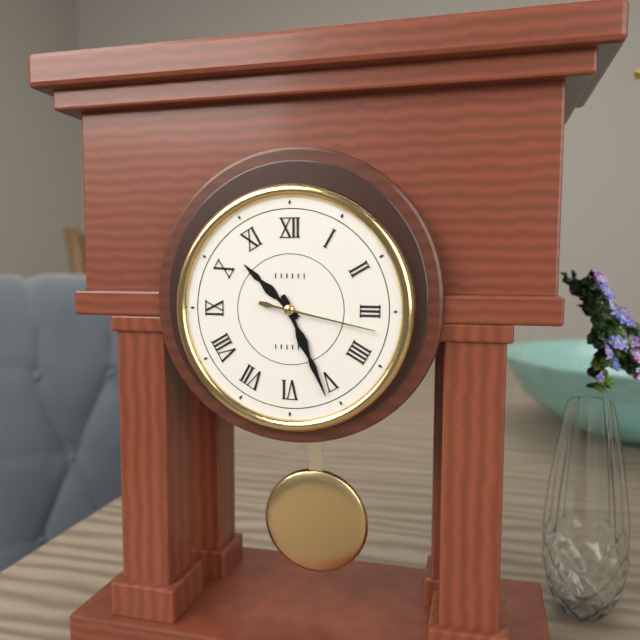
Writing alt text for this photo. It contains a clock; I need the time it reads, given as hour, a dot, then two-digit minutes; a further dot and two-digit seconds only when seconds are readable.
10.26.17
